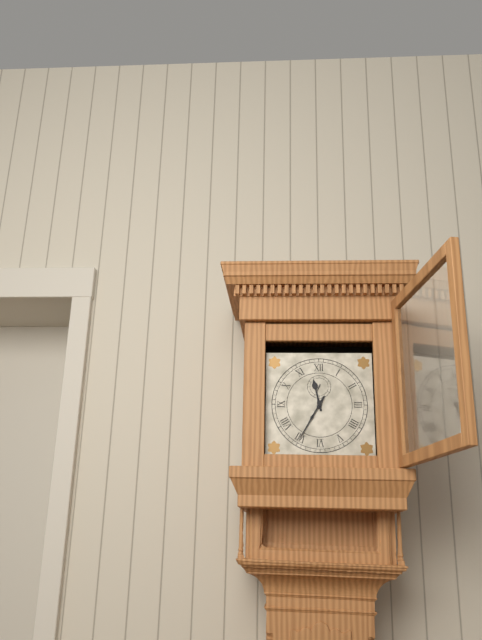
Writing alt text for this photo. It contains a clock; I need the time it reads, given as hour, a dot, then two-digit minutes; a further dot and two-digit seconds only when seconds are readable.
11.35
